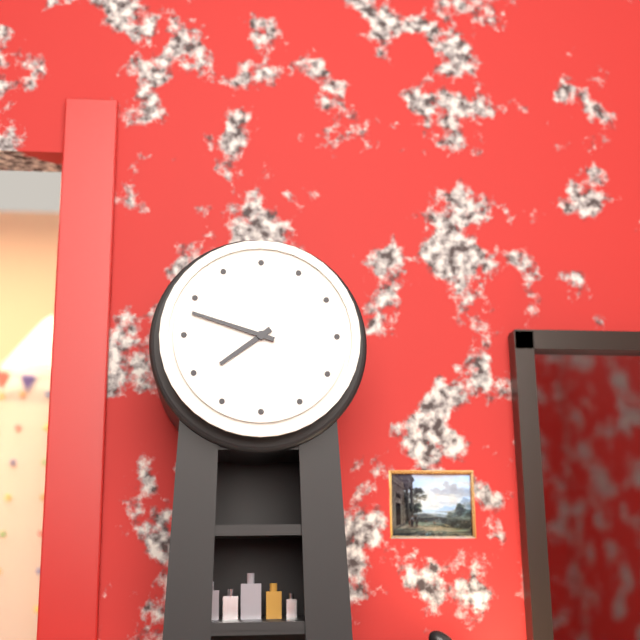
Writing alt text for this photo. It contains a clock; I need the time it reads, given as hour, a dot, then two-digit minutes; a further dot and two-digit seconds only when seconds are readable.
7.48
